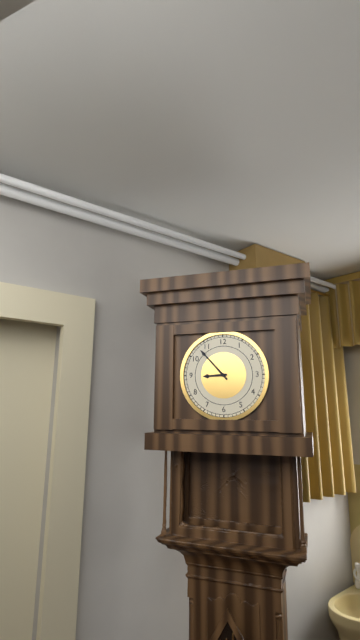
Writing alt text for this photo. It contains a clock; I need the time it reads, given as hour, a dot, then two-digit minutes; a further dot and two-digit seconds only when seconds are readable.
8.53
